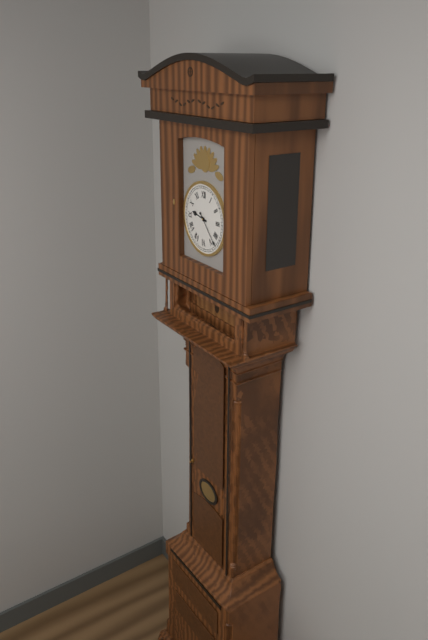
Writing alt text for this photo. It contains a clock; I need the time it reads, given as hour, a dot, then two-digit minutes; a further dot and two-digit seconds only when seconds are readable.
9.23
